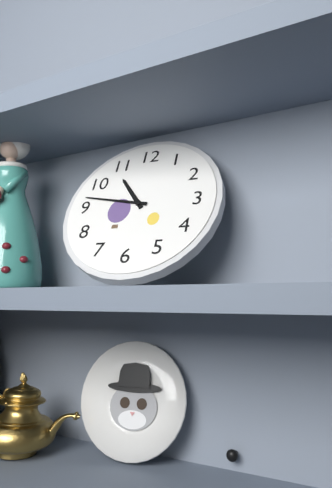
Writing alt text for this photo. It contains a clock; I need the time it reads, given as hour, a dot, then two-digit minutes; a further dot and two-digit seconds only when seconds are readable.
10.47
